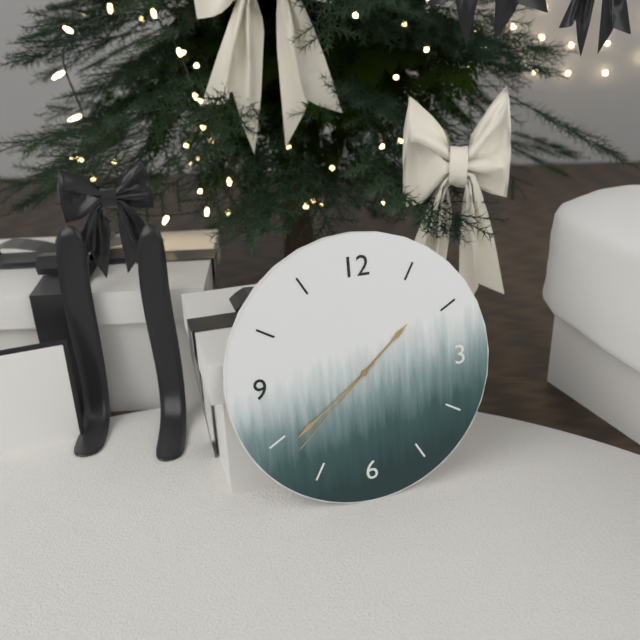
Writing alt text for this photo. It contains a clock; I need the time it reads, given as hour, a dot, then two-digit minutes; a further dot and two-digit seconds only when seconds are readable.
1.39.38
